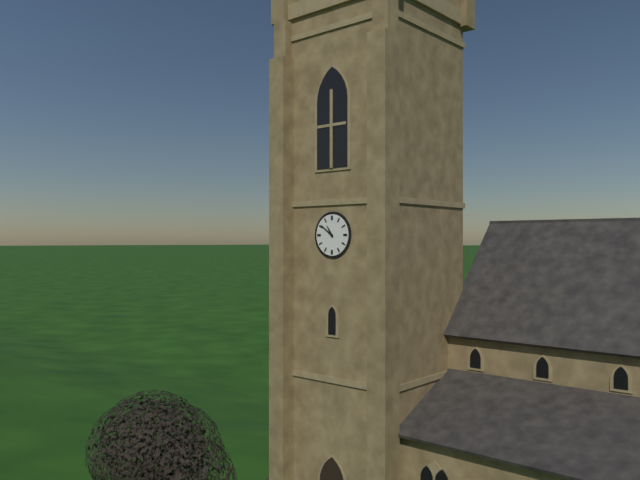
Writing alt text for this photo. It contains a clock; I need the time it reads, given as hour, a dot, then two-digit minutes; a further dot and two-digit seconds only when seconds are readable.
10.51
